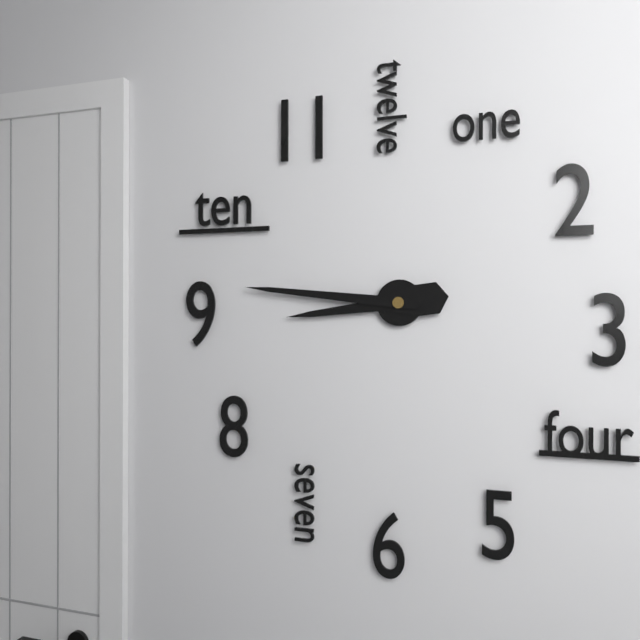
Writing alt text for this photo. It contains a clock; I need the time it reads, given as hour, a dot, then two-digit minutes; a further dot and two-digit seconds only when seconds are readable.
8.46
